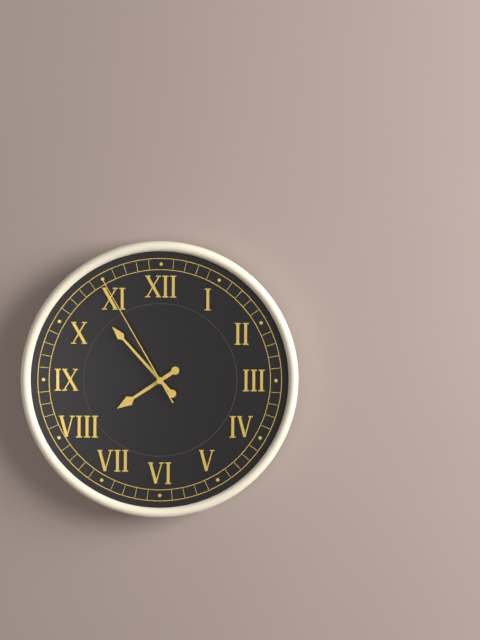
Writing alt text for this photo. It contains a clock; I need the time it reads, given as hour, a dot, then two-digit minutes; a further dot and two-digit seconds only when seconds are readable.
7.53.55
